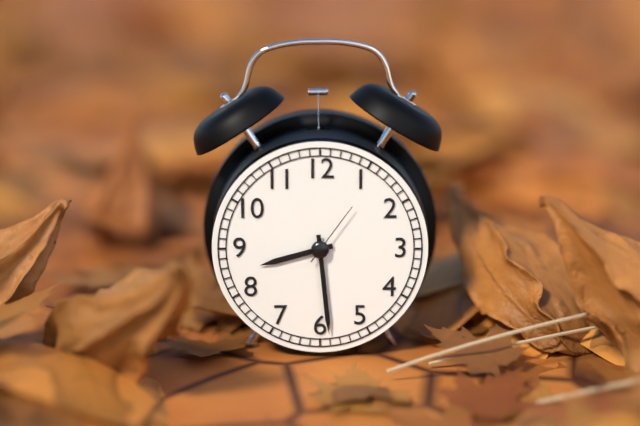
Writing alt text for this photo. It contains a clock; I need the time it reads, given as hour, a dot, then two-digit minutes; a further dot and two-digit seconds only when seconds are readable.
8.29.06
